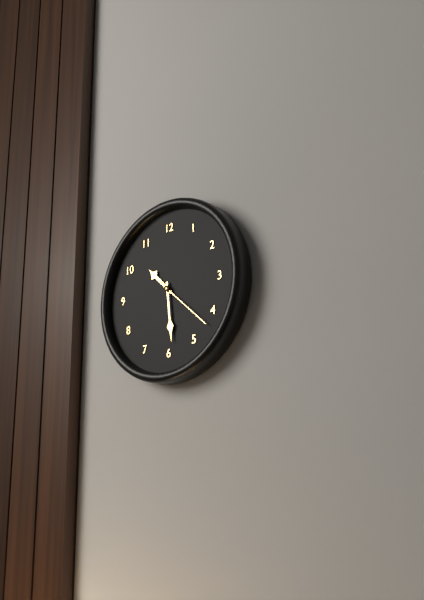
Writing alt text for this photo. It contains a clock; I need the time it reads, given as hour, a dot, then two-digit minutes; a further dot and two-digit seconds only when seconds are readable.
10.29.22
